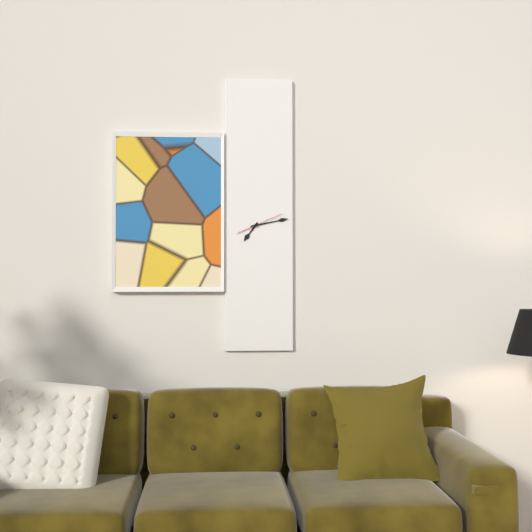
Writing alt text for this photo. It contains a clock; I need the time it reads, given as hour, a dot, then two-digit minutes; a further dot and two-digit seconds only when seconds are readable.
7.13
